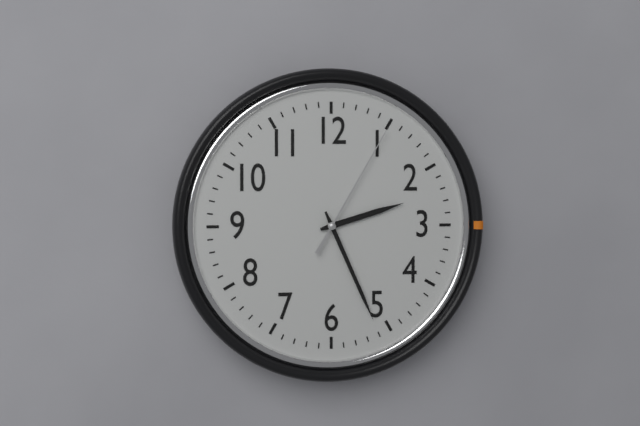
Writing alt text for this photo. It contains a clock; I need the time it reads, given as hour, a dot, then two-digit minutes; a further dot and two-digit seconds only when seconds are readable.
2.26.05
